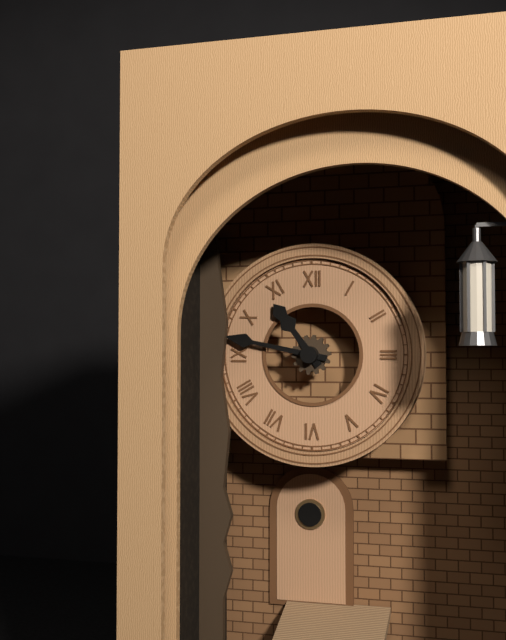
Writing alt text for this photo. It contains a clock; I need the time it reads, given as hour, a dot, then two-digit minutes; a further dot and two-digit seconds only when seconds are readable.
10.47
